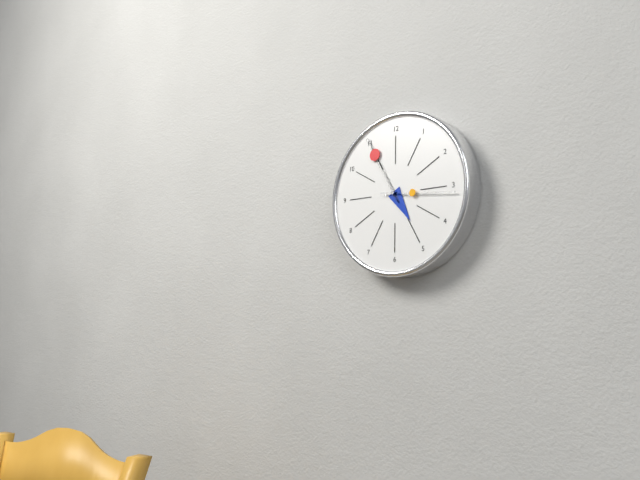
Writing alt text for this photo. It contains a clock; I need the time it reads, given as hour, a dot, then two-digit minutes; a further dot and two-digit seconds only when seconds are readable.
4.55.16
